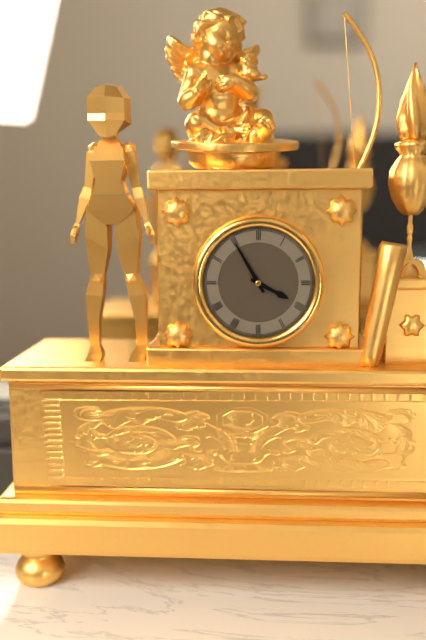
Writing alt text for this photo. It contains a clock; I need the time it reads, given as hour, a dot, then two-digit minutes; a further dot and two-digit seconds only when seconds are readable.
3.55
